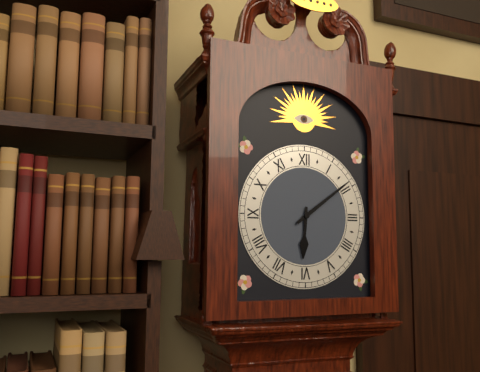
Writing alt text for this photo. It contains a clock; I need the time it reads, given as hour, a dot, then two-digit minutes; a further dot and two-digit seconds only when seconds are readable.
6.09
